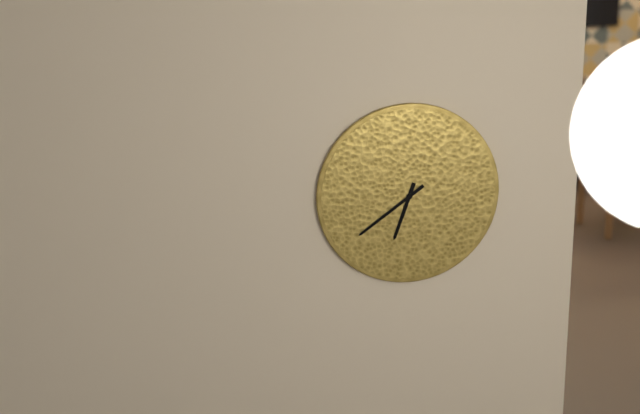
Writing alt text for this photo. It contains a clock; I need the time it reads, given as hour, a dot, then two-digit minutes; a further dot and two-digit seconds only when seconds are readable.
6.39
